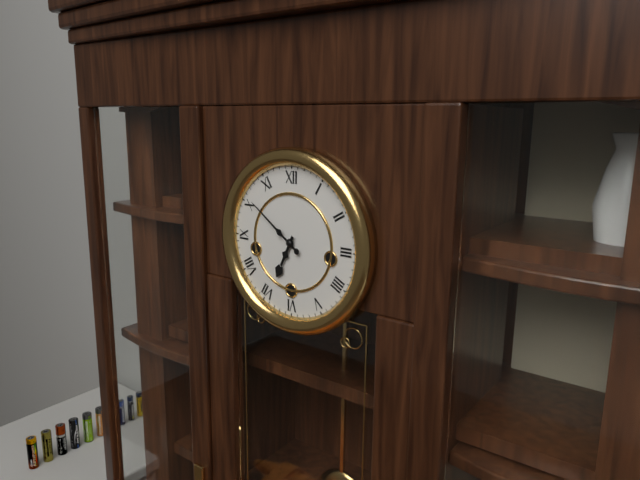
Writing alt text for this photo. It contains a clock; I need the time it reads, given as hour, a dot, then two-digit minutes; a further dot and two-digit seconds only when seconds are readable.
6.51
